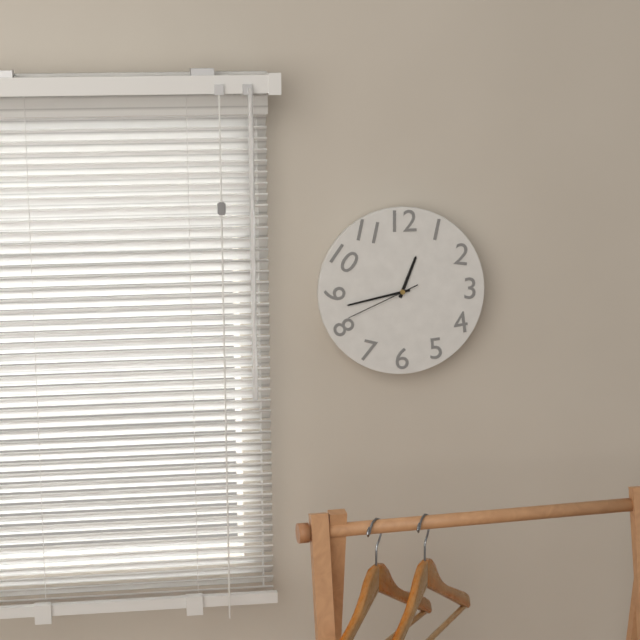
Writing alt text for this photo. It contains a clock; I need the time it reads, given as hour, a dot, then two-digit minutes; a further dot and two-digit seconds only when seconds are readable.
12.43.41
